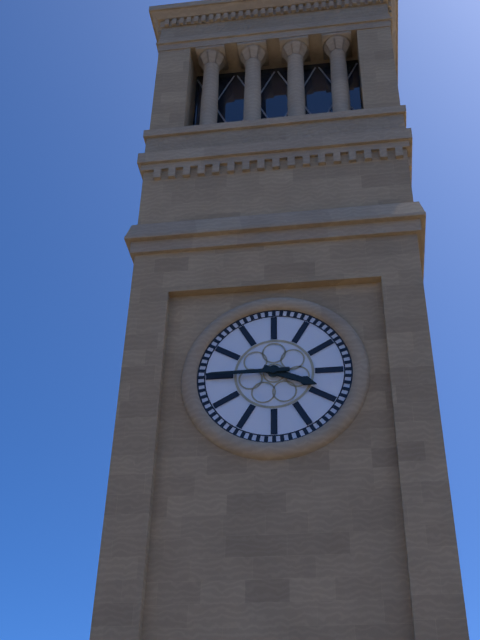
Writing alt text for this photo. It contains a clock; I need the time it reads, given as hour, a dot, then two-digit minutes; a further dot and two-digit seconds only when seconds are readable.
3.45
